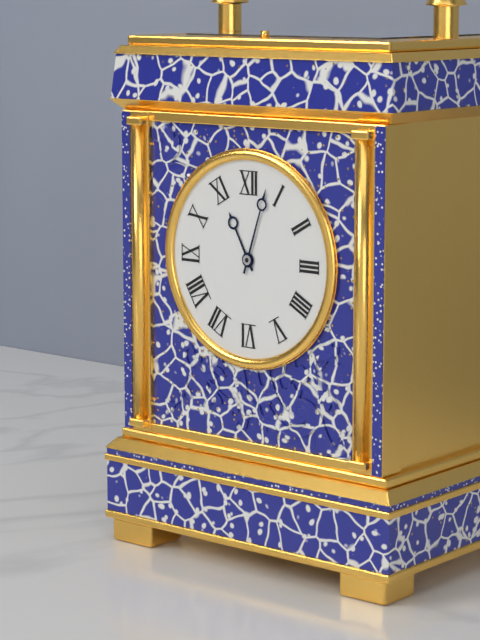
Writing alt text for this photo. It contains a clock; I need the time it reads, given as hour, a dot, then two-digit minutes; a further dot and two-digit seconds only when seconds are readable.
11.03
